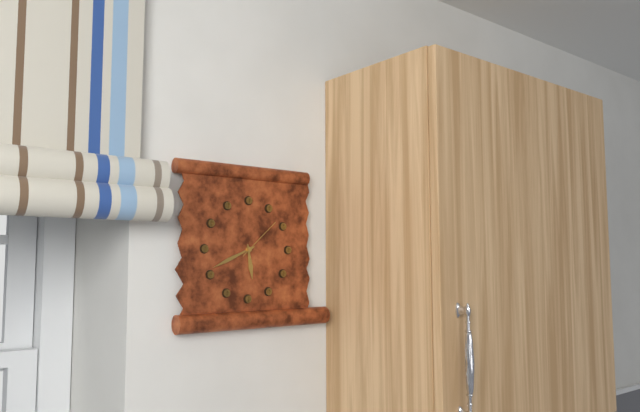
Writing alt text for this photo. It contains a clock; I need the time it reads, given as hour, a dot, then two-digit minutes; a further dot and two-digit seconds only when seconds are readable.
5.41
